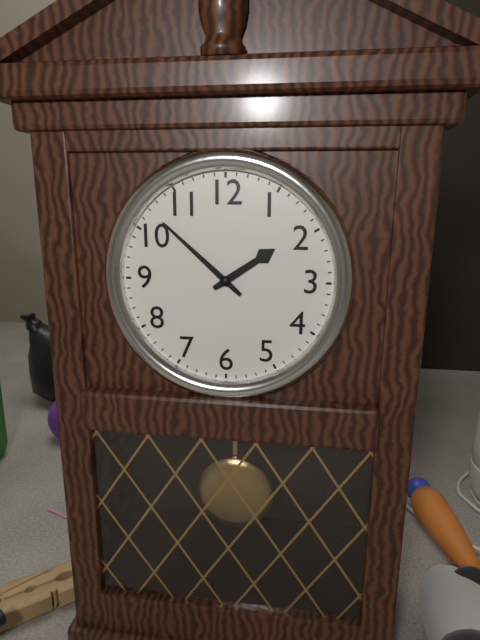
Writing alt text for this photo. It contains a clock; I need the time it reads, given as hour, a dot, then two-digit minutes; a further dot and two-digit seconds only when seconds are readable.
1.52
